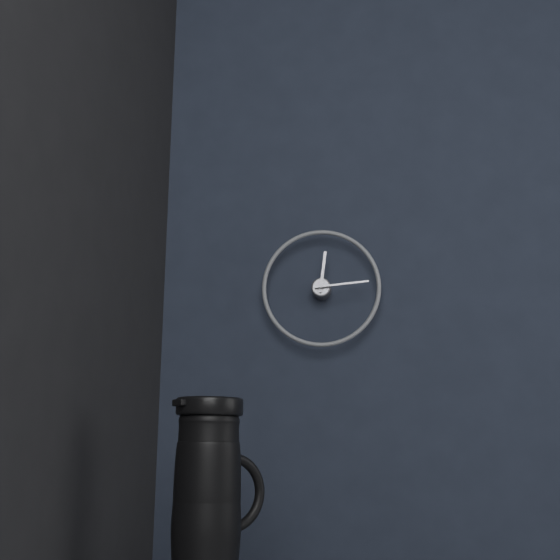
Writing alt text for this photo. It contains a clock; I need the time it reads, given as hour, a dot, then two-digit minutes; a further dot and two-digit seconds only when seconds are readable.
12.14
